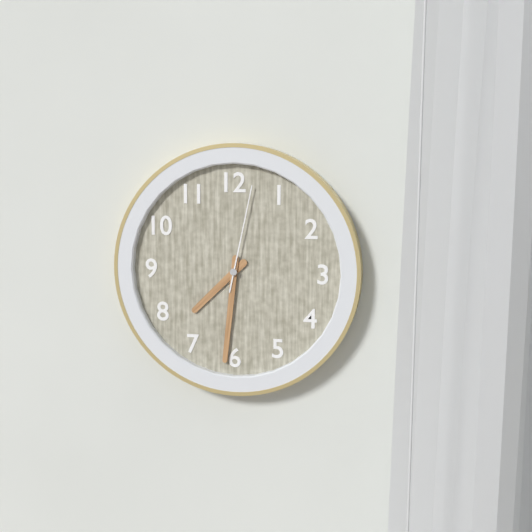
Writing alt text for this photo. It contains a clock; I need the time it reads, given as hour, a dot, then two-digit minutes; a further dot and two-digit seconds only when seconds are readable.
7.31.02
